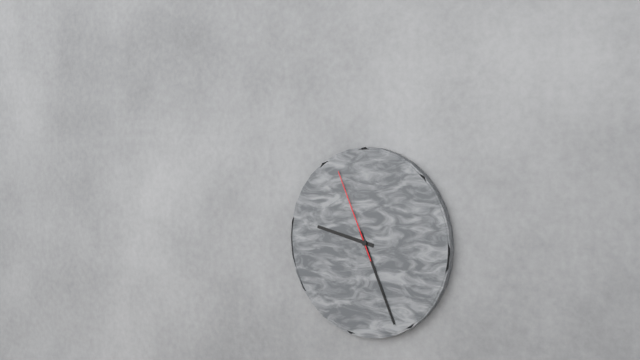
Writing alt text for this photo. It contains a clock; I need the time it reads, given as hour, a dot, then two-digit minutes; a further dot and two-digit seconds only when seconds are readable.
9.26.56
